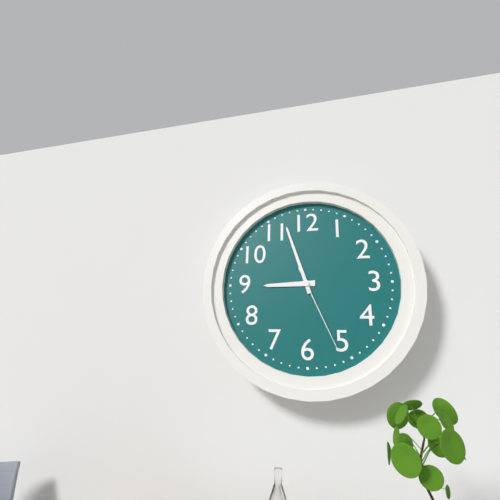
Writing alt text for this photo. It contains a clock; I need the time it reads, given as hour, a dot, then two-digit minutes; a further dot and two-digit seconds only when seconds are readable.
8.57.26
